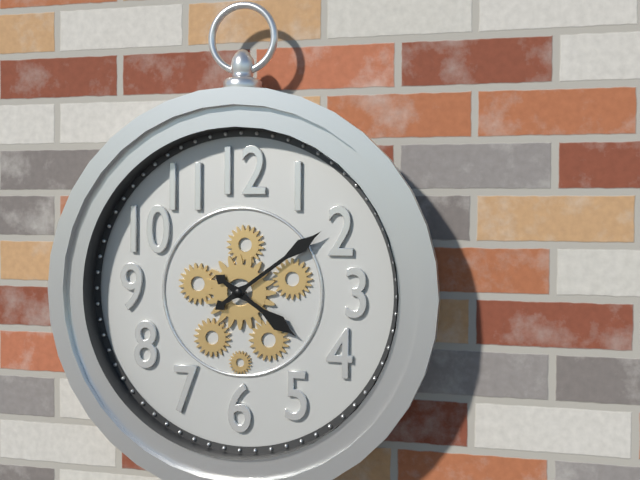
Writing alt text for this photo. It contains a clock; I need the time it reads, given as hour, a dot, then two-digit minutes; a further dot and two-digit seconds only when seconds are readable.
4.09
